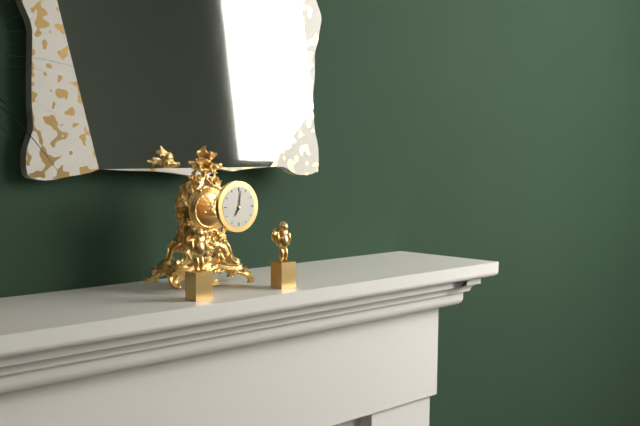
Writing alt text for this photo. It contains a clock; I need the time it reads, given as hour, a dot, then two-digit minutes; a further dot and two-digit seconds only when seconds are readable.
7.01
